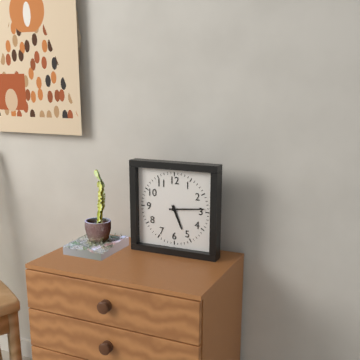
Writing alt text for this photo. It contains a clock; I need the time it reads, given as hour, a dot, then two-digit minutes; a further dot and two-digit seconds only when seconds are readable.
5.14
